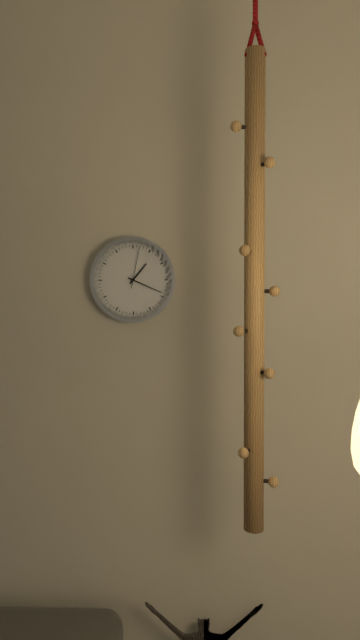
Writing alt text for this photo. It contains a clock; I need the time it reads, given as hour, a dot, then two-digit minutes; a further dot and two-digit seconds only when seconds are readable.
1.19
